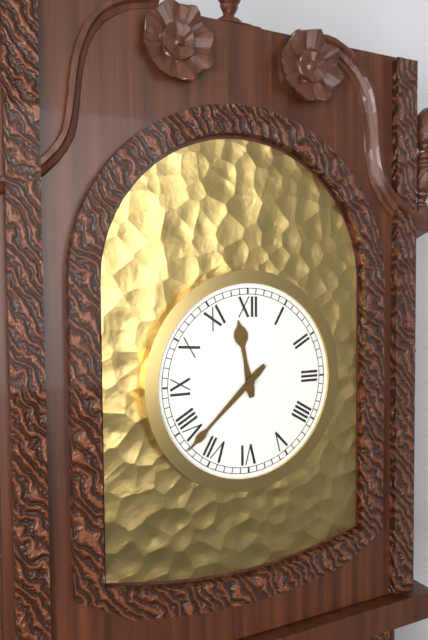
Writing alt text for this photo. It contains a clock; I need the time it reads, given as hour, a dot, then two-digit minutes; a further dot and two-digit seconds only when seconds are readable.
11.38
